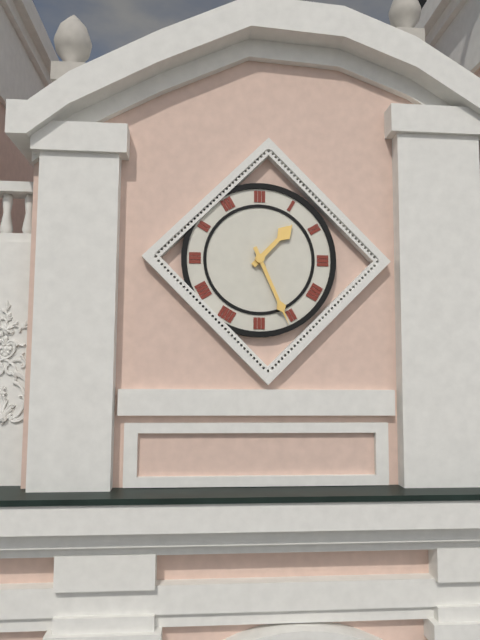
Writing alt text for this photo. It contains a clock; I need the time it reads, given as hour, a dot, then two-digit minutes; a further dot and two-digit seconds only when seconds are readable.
1.26
